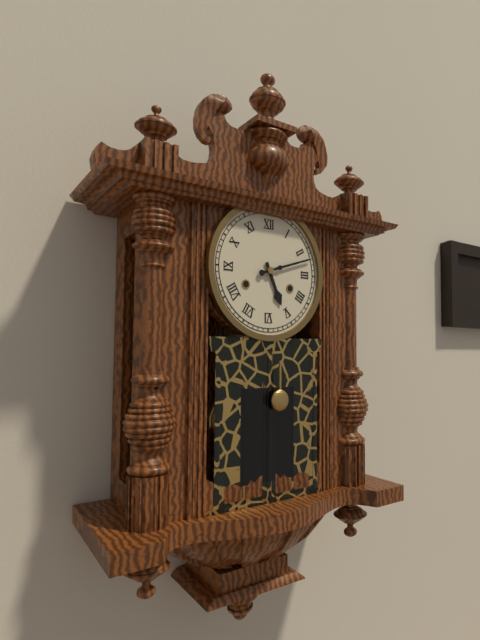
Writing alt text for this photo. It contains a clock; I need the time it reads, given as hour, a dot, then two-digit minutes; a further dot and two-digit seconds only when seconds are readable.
5.12
